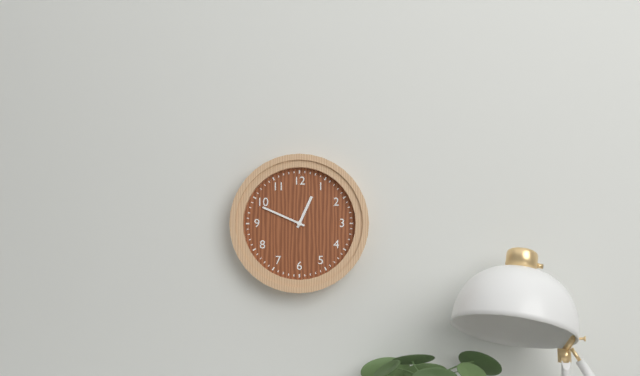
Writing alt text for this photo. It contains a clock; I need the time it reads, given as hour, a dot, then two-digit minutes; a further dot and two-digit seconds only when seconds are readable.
12.49
